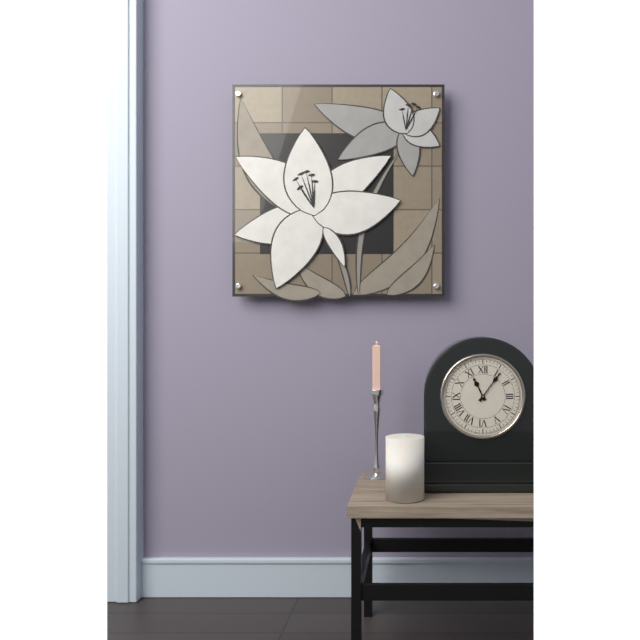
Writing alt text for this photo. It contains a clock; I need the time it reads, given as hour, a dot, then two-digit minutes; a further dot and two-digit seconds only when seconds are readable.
11.06
